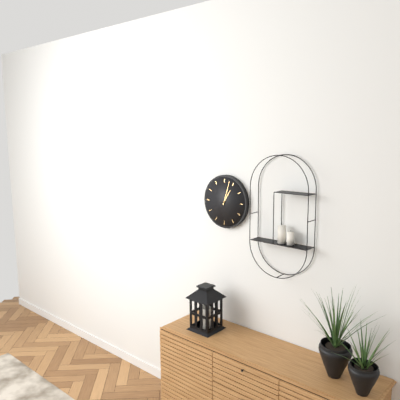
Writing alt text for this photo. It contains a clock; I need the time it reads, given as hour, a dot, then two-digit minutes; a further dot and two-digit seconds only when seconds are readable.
1.03
